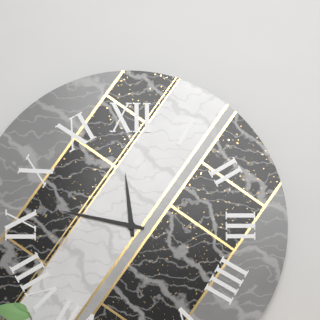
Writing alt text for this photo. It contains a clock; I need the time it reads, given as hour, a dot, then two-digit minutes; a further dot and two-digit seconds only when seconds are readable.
11.47
